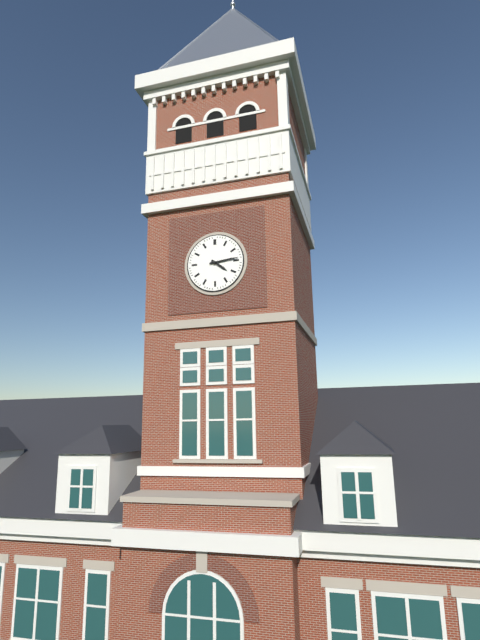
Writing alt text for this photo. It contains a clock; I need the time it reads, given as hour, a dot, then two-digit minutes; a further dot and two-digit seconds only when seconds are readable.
4.14
